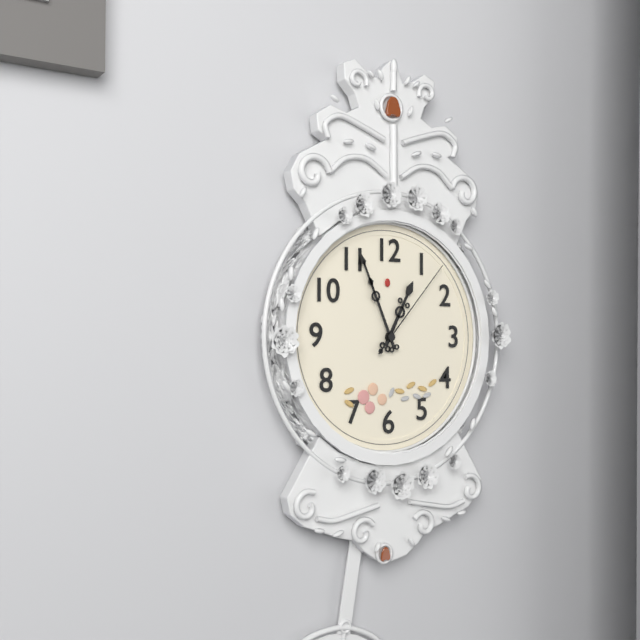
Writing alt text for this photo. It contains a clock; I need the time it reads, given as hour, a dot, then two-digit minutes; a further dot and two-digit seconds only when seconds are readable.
12.56.07
